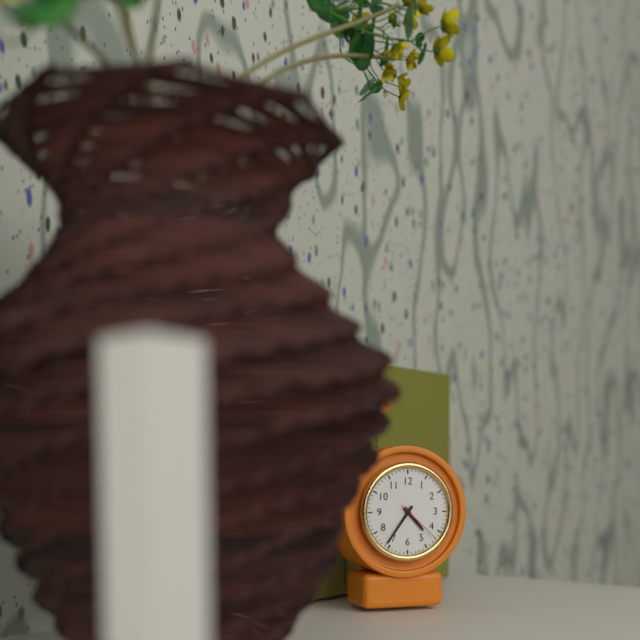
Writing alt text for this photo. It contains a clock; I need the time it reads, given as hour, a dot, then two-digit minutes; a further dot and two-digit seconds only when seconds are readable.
4.36
